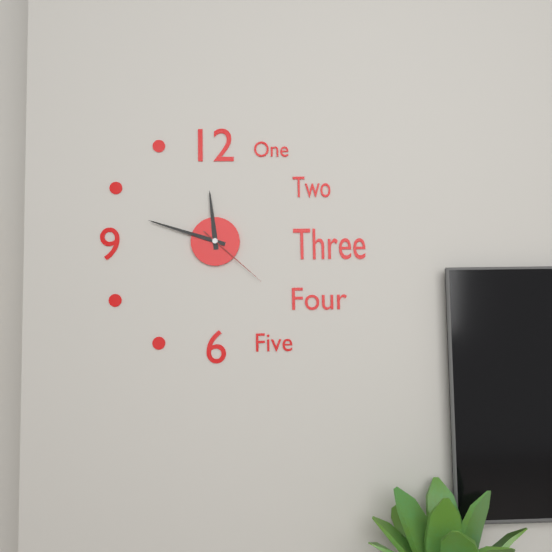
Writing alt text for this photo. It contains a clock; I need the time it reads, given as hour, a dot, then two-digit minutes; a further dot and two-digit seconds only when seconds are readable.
11.48.22
